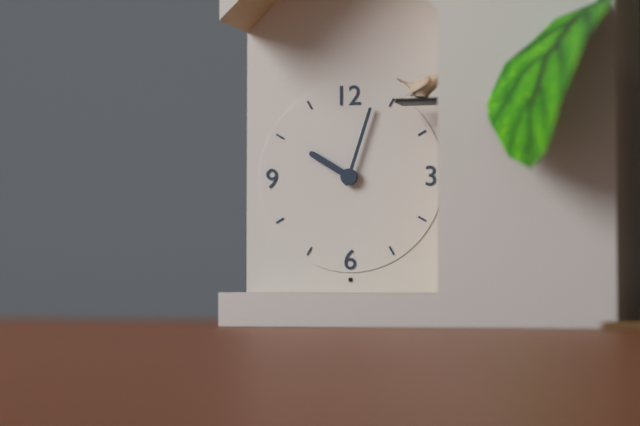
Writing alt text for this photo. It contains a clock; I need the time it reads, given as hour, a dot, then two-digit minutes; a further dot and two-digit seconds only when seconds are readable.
10.03
